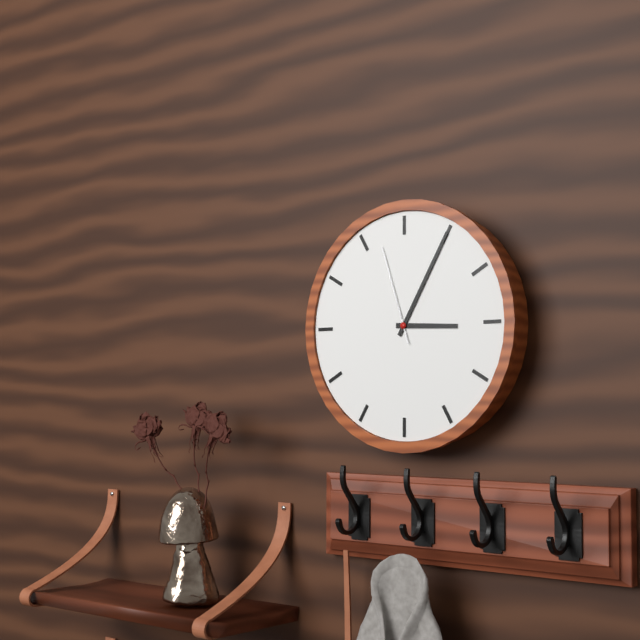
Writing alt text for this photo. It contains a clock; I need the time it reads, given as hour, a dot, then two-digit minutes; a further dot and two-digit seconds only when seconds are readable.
3.05.57
